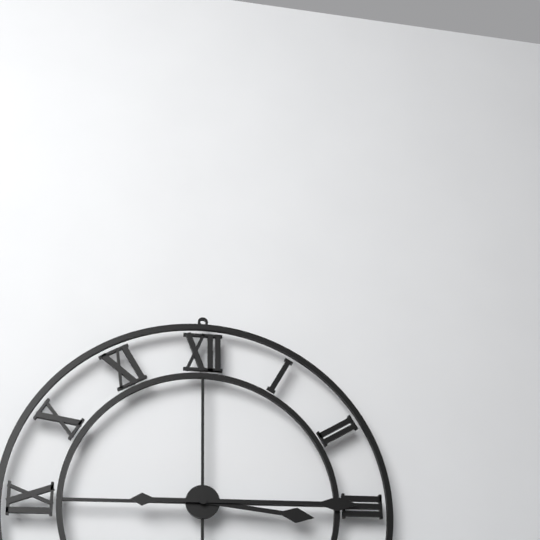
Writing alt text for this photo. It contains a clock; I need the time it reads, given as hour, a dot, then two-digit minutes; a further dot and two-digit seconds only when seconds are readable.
3.15
